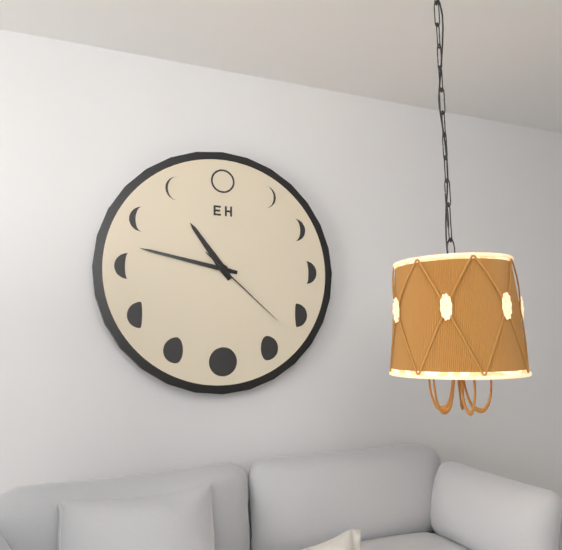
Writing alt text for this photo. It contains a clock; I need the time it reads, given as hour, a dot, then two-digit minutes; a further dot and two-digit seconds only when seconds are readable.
10.47.22
